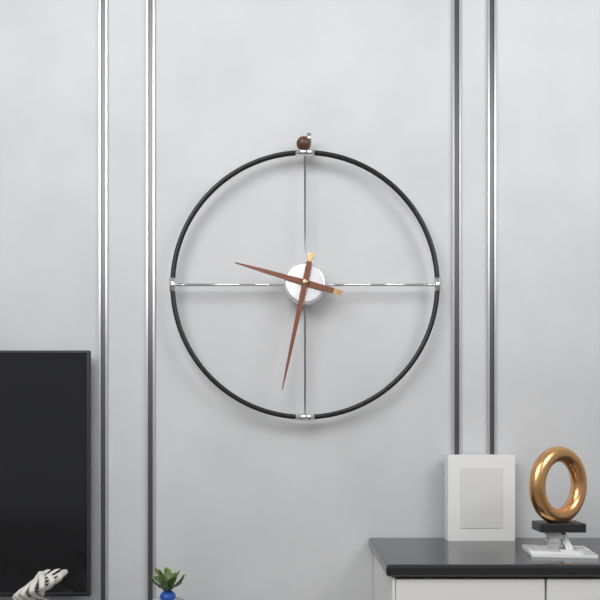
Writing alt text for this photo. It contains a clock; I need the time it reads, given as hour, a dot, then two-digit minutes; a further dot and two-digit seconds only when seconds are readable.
9.32
